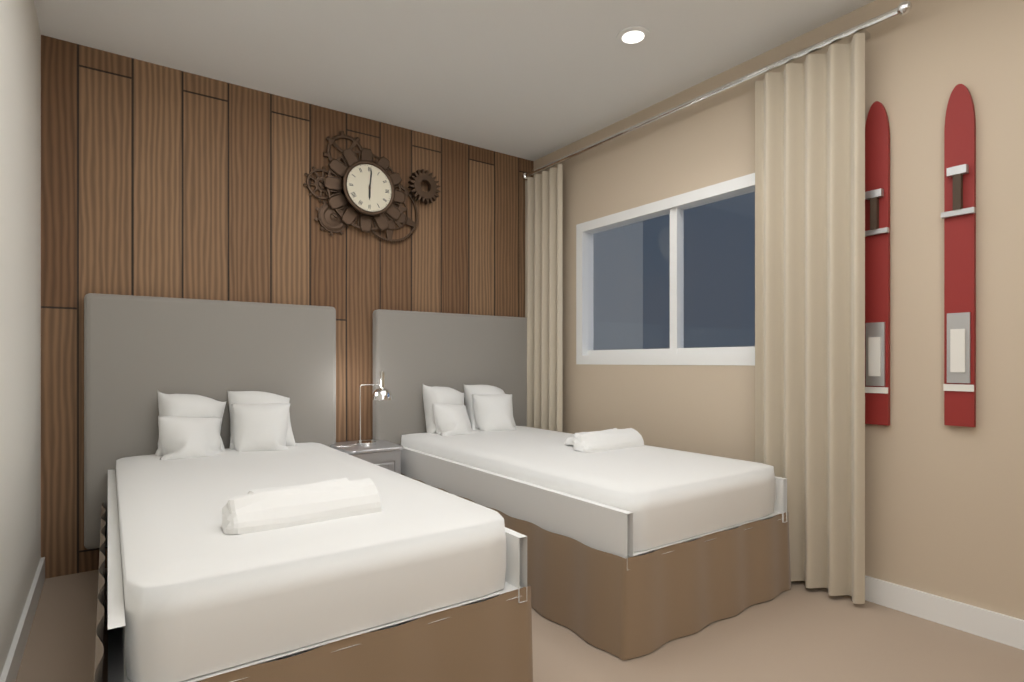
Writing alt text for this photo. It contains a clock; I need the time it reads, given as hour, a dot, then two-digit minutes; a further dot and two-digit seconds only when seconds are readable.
6.01
